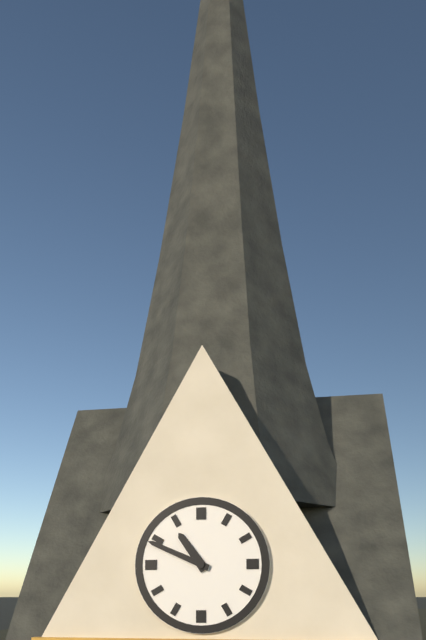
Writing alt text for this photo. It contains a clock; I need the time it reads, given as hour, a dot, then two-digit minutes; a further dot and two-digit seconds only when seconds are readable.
10.49
